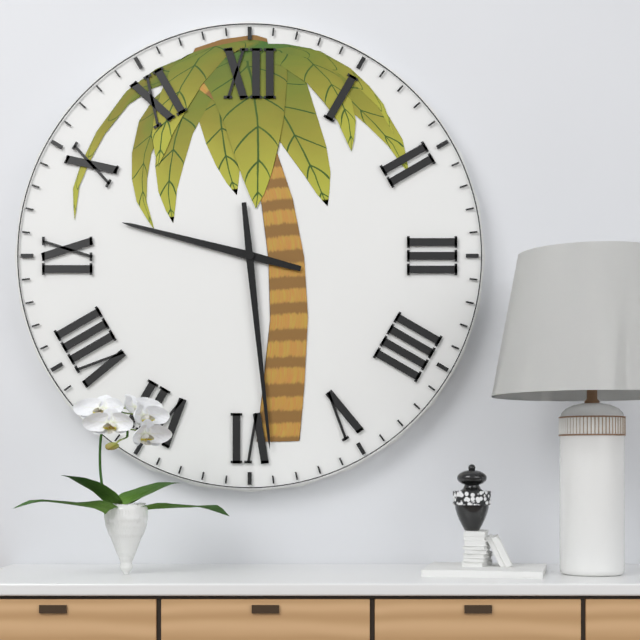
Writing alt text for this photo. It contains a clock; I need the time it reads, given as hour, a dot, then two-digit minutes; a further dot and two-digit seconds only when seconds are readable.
9.29
